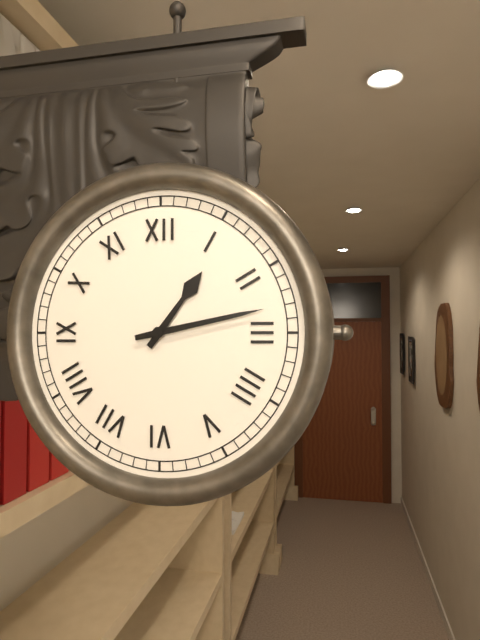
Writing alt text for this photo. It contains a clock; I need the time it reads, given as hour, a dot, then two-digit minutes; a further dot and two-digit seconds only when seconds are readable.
1.13
